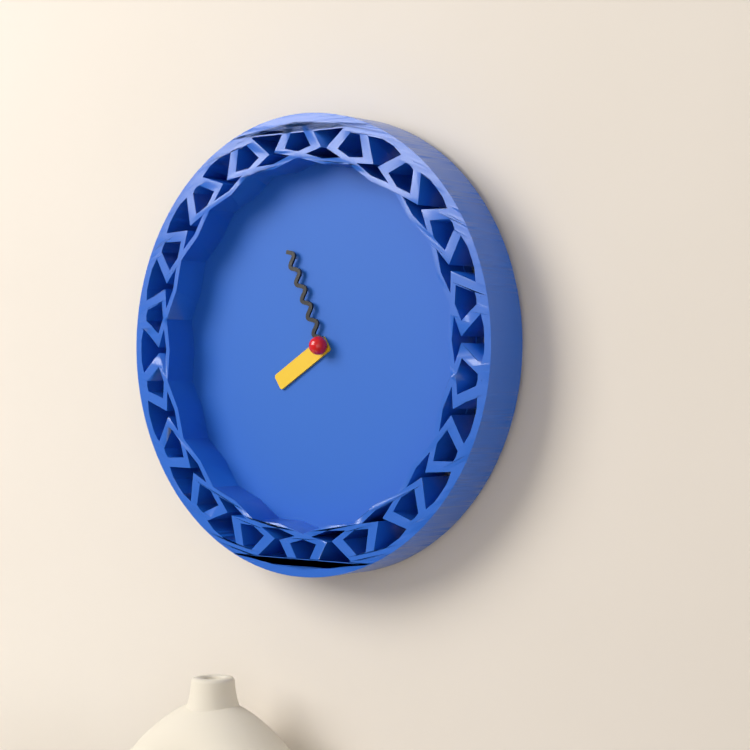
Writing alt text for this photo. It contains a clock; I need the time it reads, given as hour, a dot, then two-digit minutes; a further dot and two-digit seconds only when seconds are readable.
7.56
